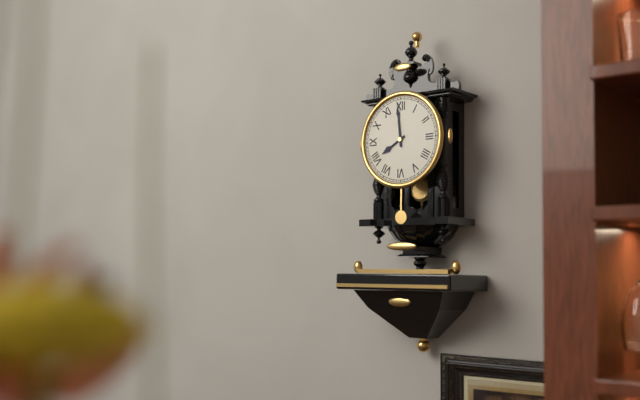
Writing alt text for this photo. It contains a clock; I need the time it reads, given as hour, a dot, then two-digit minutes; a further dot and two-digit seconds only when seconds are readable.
7.59
